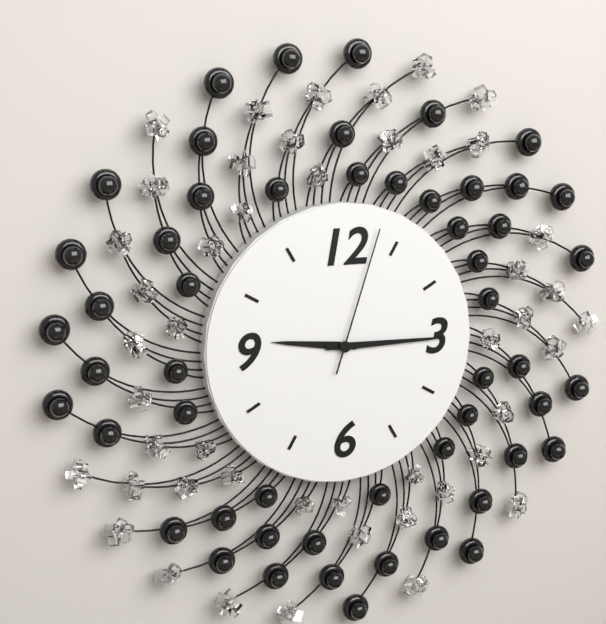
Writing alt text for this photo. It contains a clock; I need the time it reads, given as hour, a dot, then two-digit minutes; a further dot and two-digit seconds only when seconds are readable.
9.15.03
